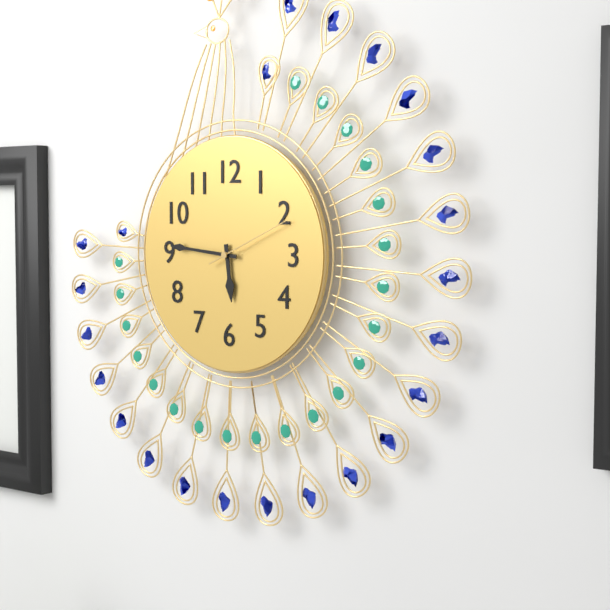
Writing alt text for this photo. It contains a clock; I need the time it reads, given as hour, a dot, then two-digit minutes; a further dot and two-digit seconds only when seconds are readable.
5.46.11
